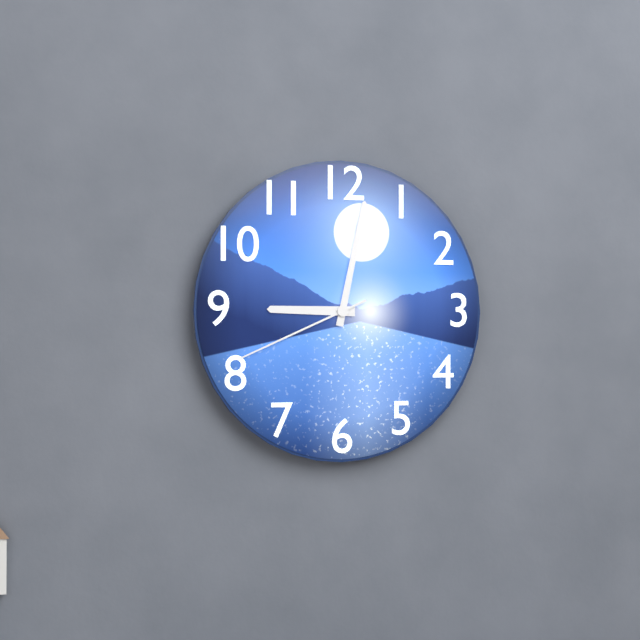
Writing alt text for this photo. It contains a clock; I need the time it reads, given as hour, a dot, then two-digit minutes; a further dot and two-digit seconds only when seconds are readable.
9.02.41
